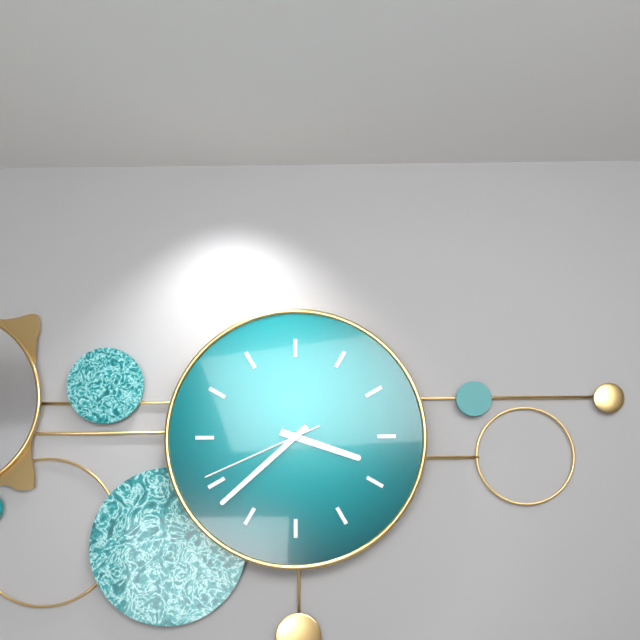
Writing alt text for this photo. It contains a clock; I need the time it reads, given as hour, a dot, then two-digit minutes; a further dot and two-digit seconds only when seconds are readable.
3.38.41
